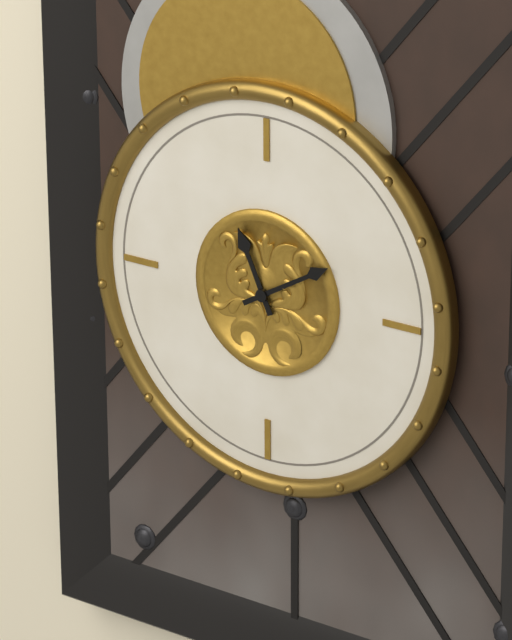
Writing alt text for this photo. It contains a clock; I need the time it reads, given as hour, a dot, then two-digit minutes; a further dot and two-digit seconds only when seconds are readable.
11.10
